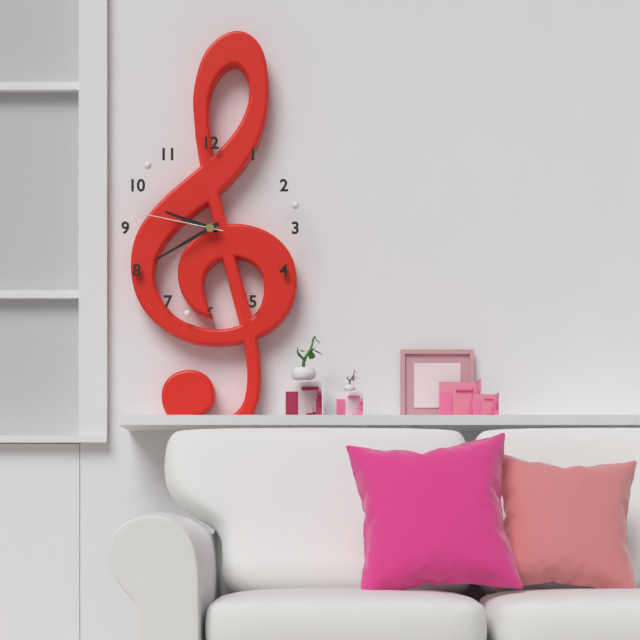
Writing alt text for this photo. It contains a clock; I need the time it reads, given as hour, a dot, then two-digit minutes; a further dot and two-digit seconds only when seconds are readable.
9.40.47
